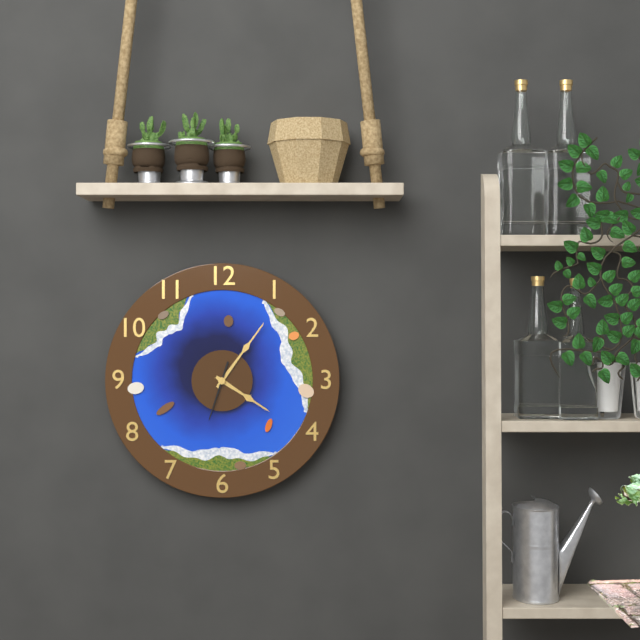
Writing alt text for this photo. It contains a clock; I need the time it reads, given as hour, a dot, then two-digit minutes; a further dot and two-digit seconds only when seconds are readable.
4.06.33
